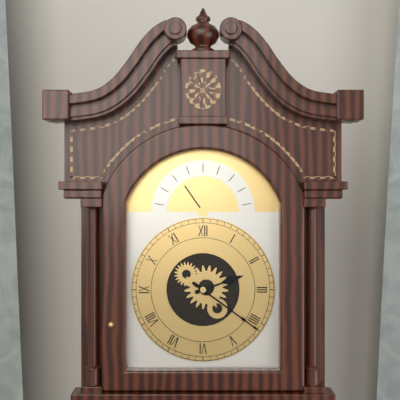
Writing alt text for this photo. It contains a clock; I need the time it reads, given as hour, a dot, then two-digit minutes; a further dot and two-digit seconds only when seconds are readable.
2.21
